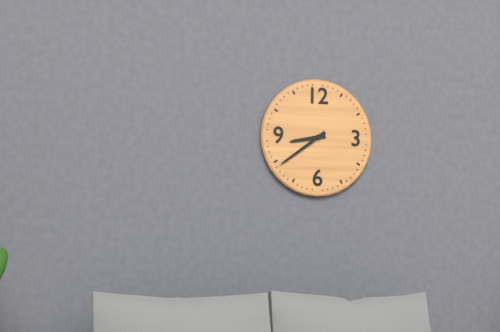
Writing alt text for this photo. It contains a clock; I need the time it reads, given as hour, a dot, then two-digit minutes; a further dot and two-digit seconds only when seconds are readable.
8.39
